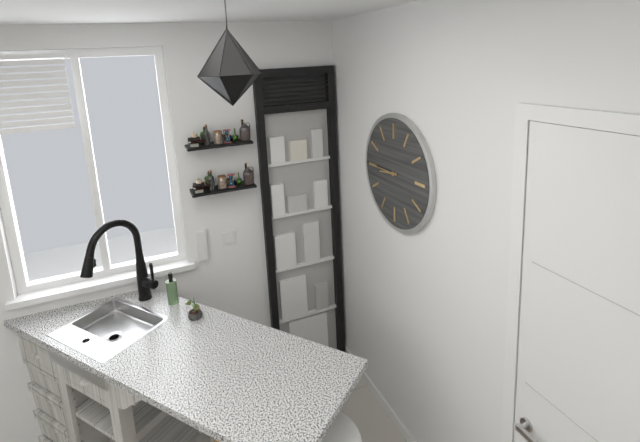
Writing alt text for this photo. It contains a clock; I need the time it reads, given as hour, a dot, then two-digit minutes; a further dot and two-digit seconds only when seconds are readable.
8.45
